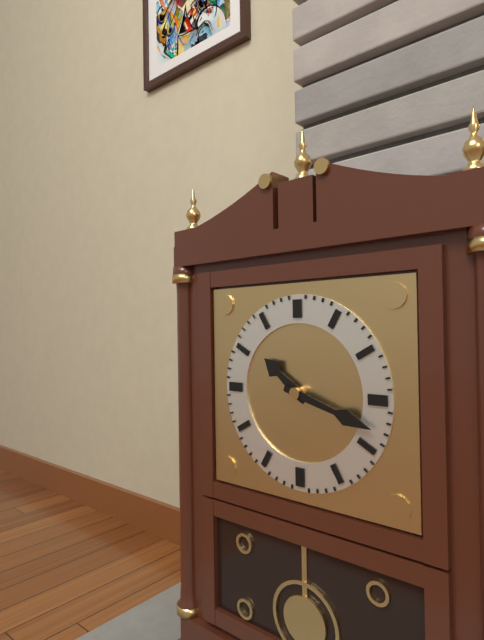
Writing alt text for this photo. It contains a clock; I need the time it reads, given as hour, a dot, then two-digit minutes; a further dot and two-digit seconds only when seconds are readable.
10.18
